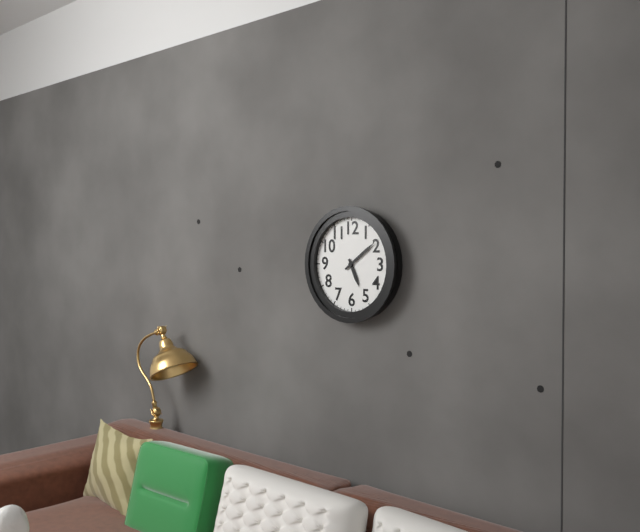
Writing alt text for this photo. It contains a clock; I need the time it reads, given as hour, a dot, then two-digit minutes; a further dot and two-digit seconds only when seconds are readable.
5.09
